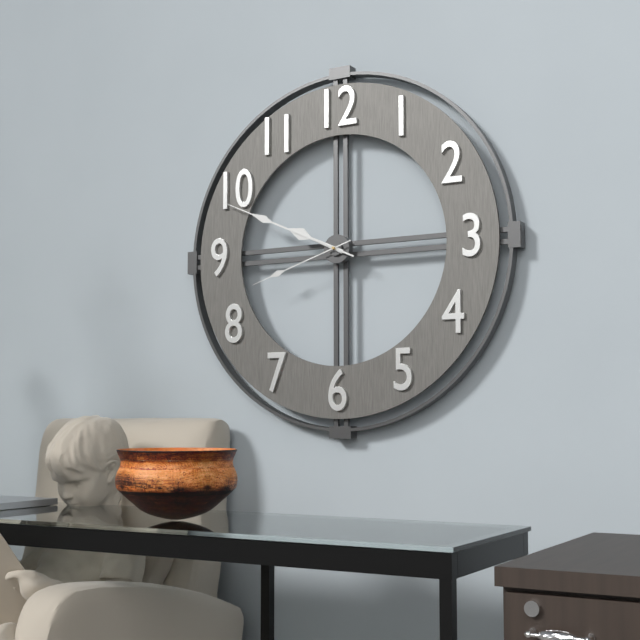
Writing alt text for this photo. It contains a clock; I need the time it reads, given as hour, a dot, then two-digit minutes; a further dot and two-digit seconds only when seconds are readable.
9.49.42
